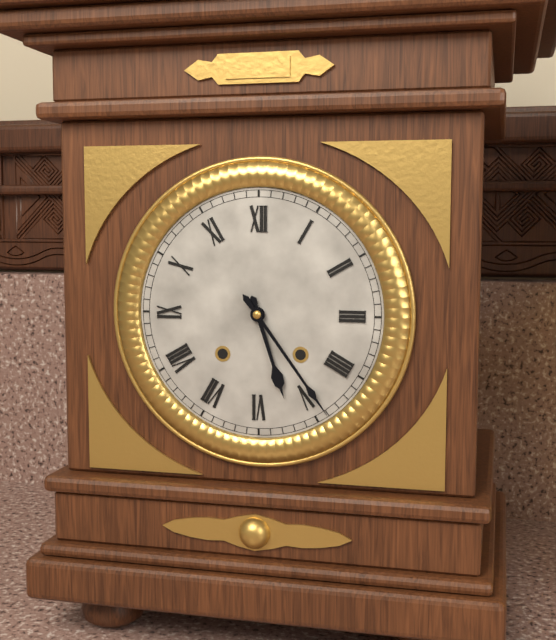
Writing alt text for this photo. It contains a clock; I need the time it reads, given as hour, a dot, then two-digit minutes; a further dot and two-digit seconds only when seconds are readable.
5.24
